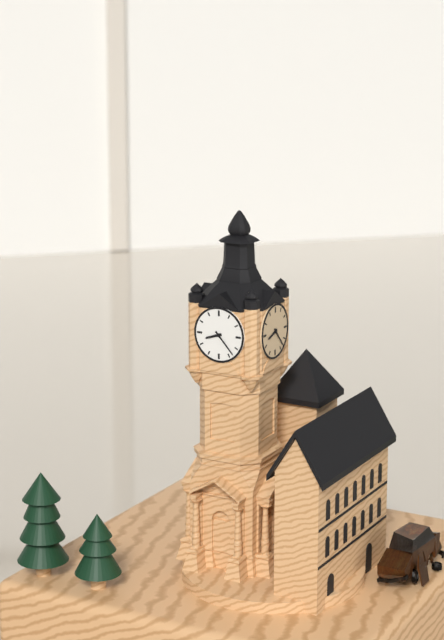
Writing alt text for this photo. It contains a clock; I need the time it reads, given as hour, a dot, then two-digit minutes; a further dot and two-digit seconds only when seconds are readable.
8.23
